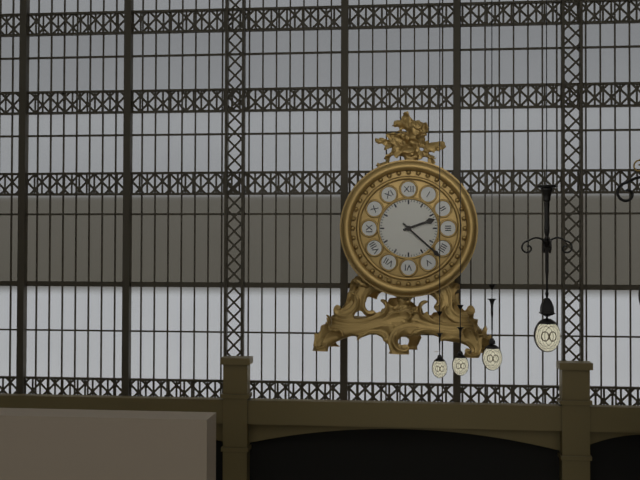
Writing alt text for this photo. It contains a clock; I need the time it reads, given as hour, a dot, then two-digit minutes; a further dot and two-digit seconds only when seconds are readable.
2.22
